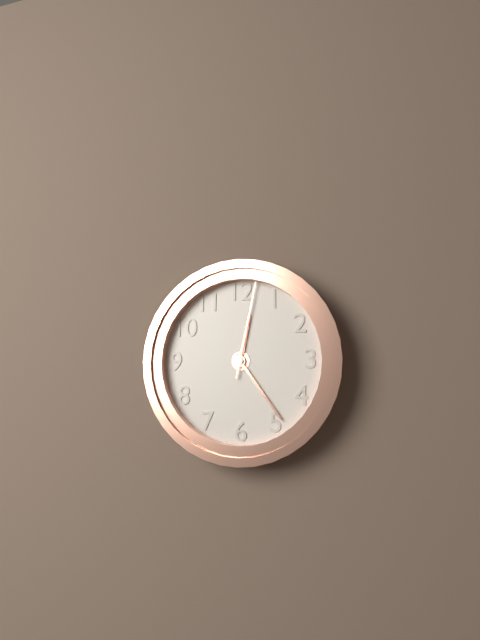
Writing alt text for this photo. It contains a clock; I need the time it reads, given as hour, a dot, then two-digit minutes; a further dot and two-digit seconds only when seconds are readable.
12.24.02
